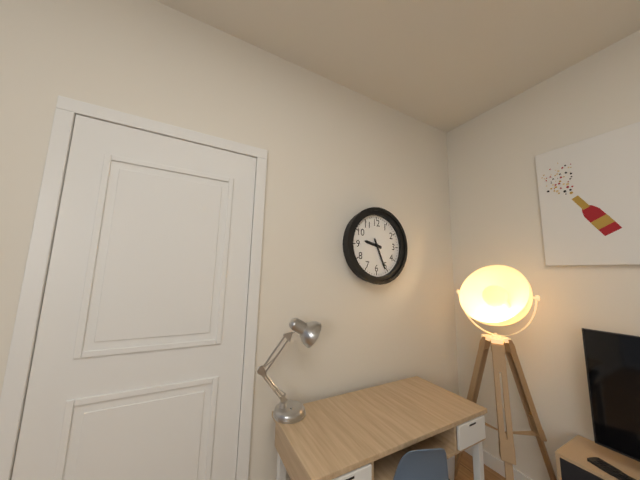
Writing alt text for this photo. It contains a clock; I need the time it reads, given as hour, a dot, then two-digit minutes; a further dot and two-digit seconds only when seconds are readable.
9.26
